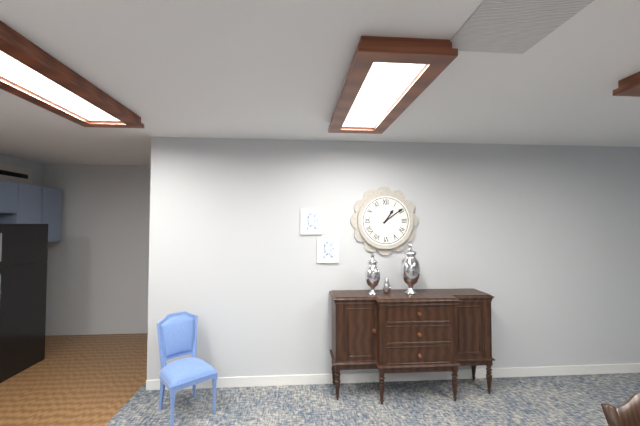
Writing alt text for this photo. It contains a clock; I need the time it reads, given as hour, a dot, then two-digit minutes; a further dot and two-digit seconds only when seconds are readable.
1.09
